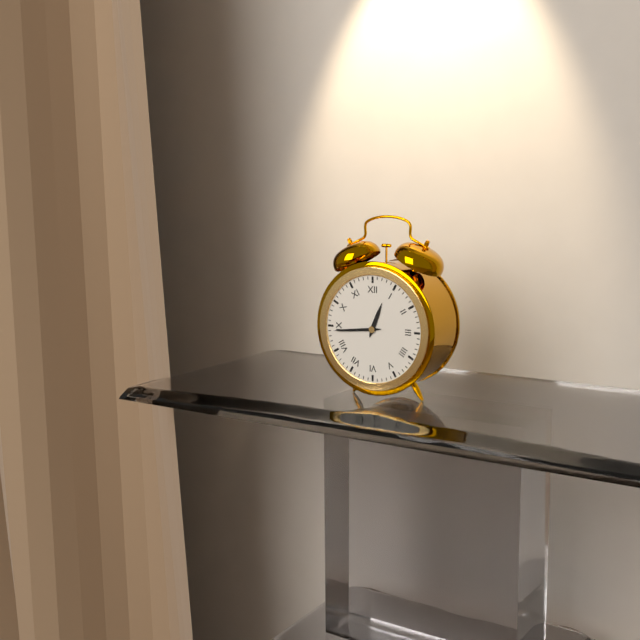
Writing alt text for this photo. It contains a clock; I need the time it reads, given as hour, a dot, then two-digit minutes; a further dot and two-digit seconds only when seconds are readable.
12.44
